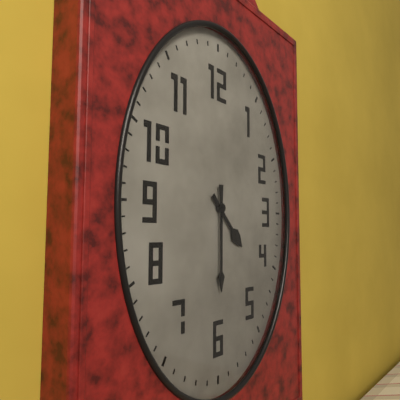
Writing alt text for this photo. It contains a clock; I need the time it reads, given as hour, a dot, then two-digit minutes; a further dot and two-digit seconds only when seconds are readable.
4.30
